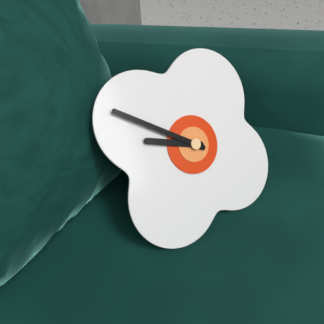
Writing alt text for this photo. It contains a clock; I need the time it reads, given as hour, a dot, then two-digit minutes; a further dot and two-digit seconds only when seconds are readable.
9.52
